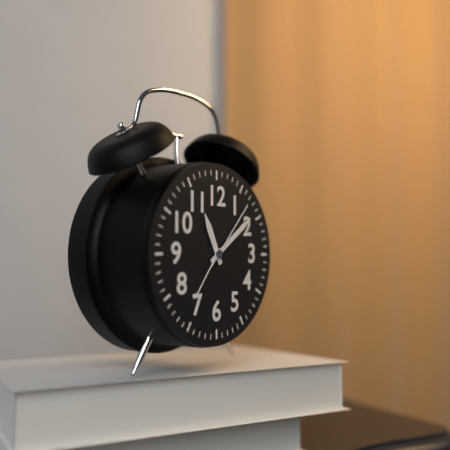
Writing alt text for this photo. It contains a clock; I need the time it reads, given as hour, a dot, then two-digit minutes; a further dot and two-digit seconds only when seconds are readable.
11.09.07
